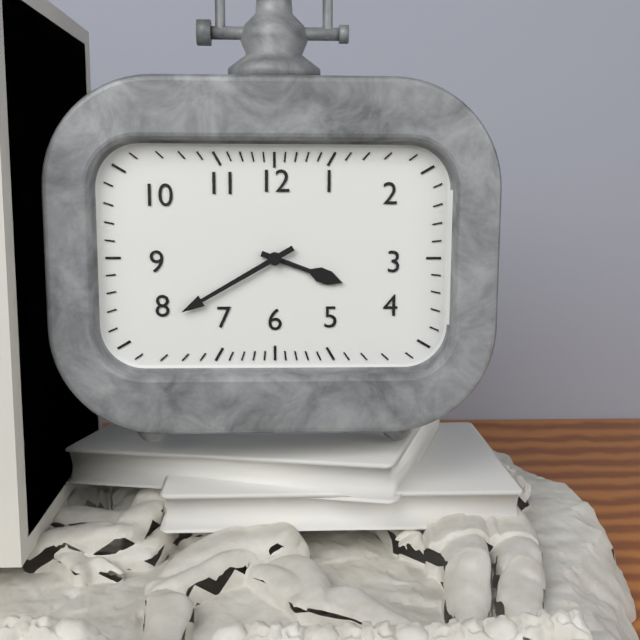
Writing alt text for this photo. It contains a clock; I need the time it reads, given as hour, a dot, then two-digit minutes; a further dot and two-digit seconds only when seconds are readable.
3.40
